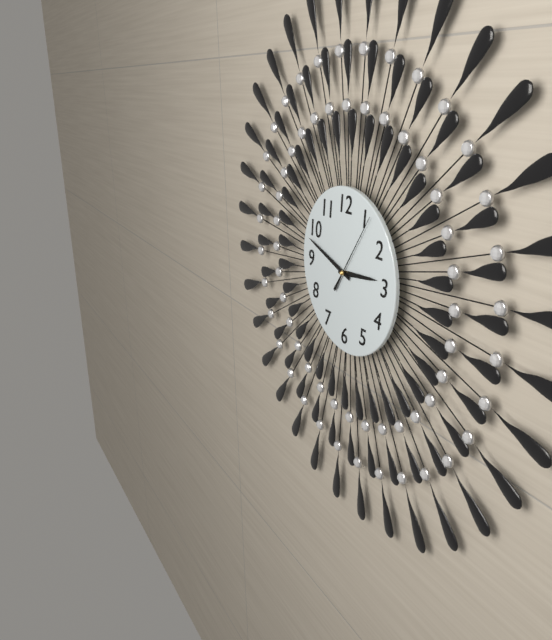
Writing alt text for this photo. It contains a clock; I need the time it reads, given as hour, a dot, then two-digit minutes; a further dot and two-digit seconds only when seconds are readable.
2.48.06
